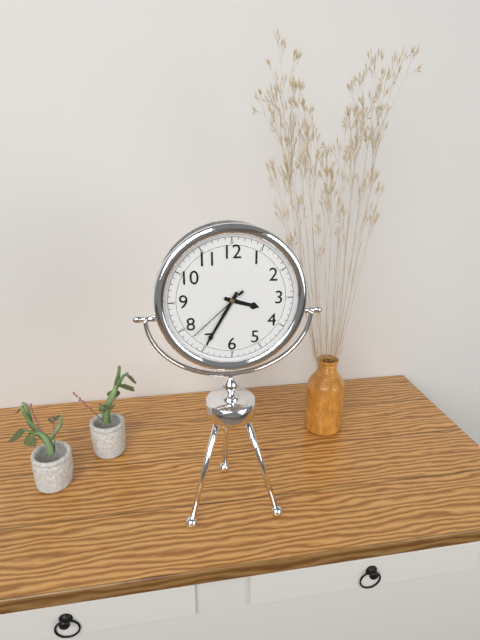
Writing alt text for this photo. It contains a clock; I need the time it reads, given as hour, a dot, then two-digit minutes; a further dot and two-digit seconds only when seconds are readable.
3.35.38
